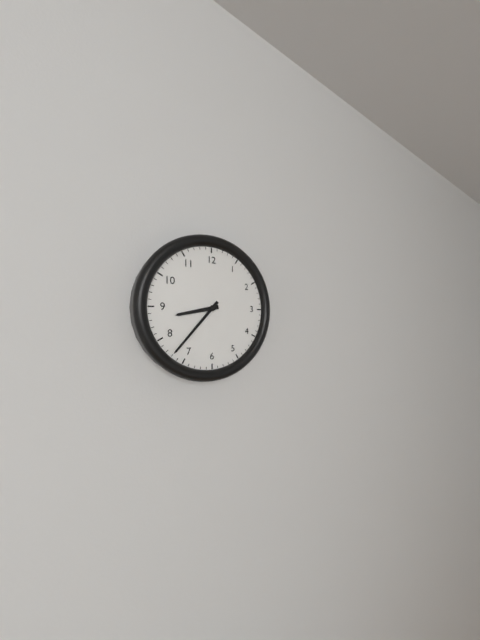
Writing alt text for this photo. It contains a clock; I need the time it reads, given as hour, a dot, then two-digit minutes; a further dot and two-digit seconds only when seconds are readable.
8.37
